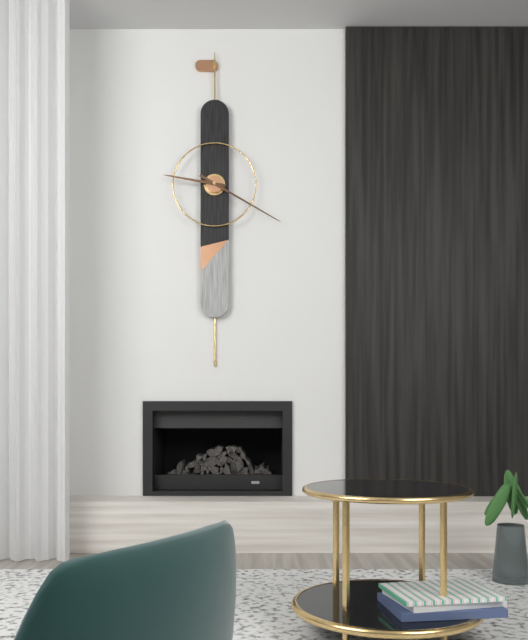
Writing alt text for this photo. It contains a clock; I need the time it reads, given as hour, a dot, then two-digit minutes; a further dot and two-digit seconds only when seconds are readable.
9.20
